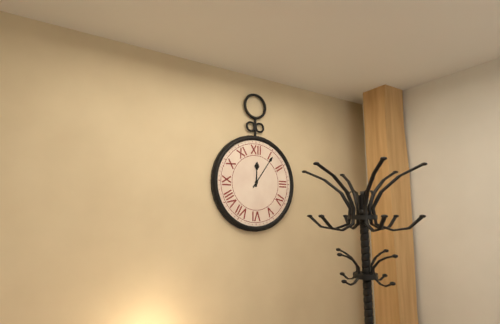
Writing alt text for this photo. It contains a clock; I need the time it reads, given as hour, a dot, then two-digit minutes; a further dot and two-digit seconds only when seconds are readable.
12.06
